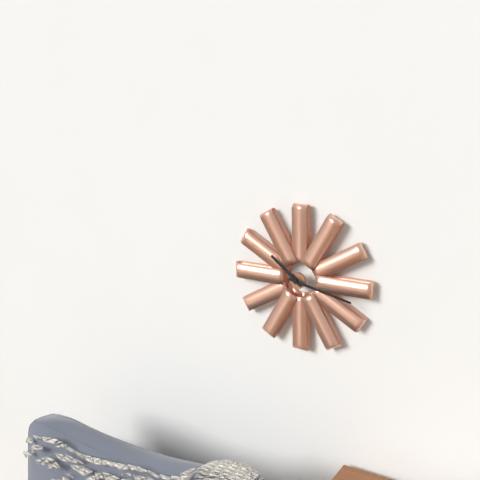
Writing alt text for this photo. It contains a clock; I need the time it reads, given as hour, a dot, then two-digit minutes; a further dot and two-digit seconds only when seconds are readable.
10.17
